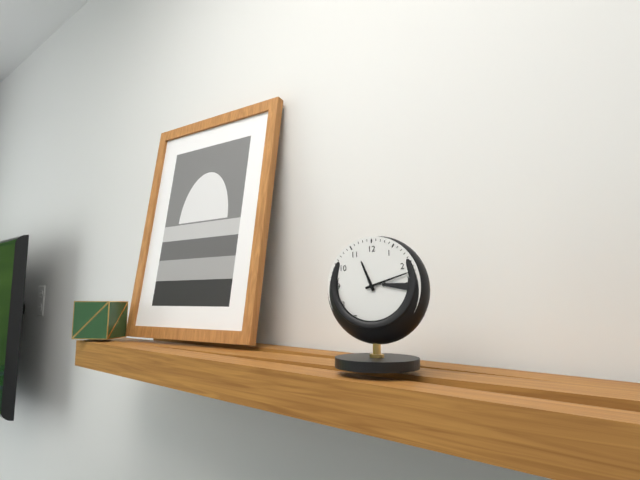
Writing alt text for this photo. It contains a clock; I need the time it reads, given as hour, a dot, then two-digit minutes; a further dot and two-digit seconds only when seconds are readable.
11.12
